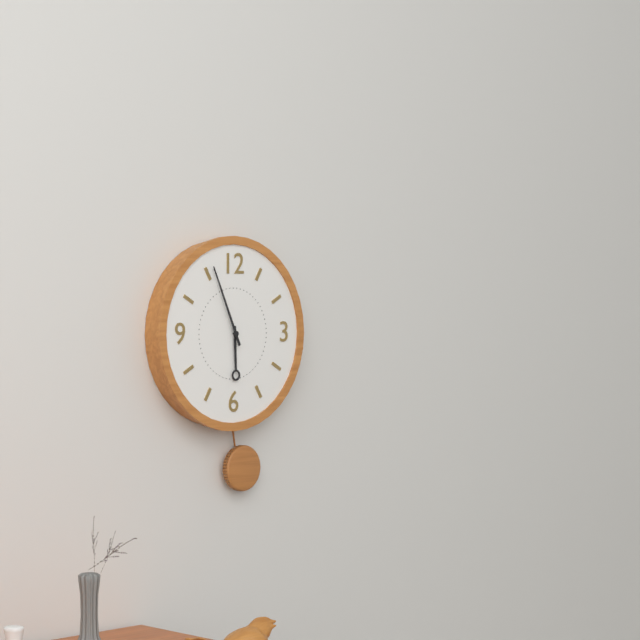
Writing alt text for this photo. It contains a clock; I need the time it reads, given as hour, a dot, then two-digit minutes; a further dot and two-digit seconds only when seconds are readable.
5.56
